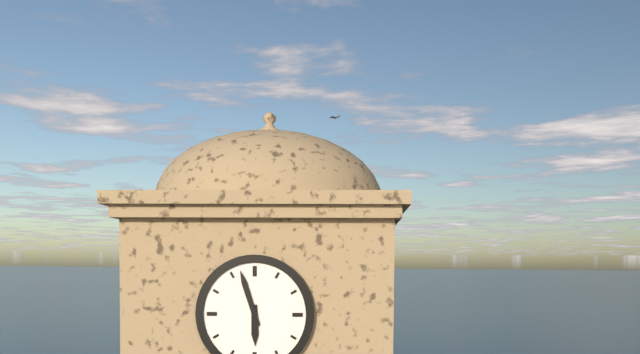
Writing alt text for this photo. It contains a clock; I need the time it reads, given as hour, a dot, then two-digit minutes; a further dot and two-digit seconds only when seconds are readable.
5.57
